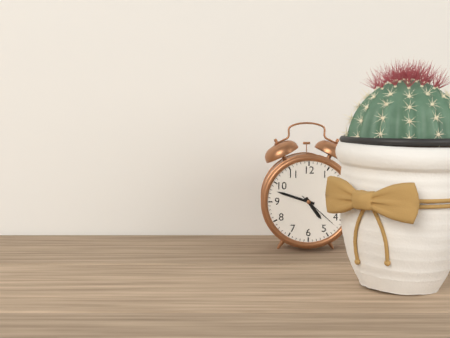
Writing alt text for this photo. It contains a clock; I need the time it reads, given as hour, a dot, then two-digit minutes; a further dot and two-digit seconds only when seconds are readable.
4.48
